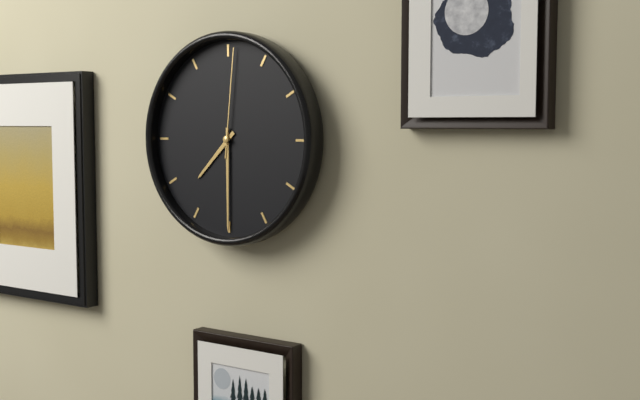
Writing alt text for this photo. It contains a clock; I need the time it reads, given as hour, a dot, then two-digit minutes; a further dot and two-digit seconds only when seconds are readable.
7.30.01
